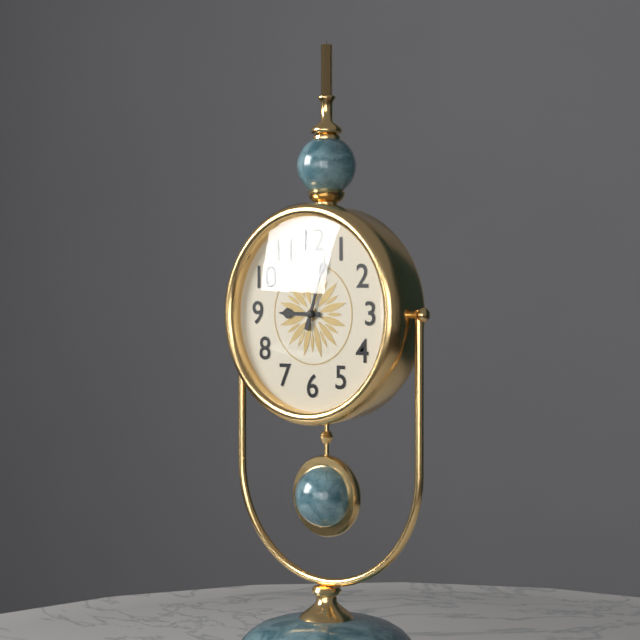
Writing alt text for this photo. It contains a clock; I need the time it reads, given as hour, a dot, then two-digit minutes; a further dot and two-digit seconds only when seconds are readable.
9.03
